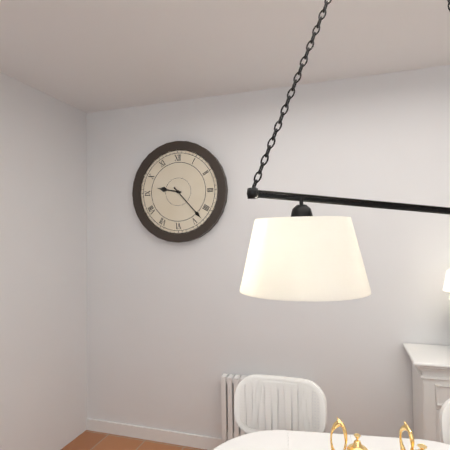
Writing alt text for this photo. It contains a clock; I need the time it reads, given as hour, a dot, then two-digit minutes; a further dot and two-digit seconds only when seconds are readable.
9.23
